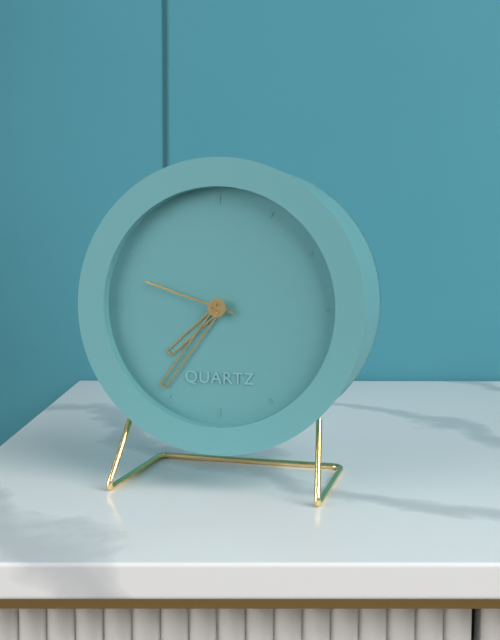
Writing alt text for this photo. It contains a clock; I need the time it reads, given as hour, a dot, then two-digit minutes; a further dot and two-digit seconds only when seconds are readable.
7.36.48
